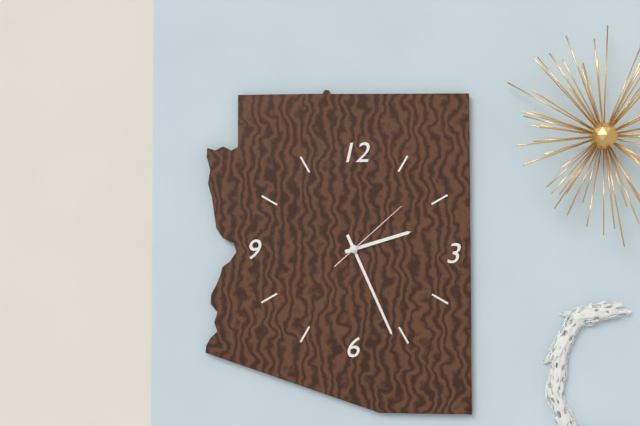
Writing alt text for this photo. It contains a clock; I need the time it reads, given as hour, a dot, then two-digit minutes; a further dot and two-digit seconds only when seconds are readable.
2.26.08
